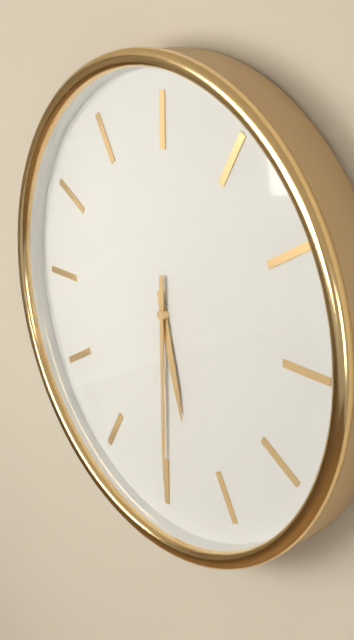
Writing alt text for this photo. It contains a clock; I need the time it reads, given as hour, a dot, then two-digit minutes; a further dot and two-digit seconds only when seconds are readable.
5.30
